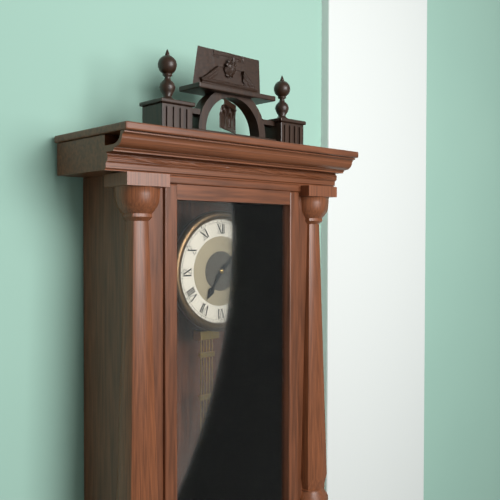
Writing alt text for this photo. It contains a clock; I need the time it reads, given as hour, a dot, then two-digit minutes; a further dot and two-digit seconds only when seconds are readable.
7.08
